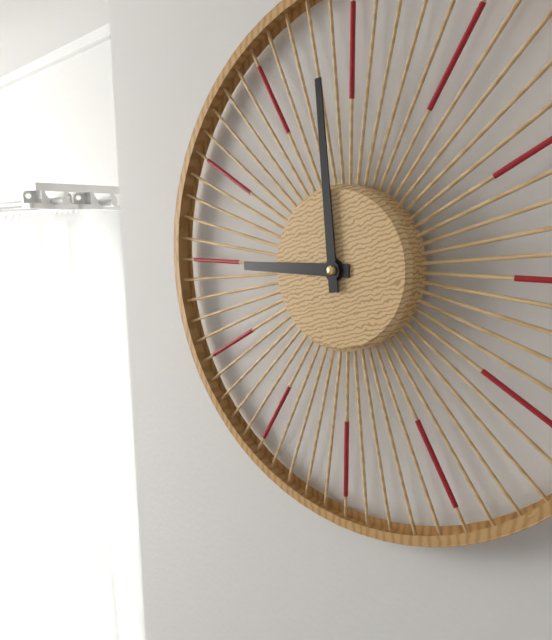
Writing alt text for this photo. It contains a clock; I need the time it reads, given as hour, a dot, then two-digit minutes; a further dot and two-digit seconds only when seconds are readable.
8.59
